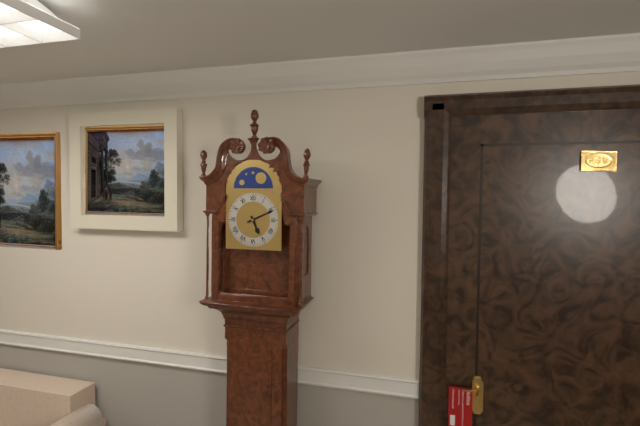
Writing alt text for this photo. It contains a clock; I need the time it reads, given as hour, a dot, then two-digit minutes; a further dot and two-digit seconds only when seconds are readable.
5.11
